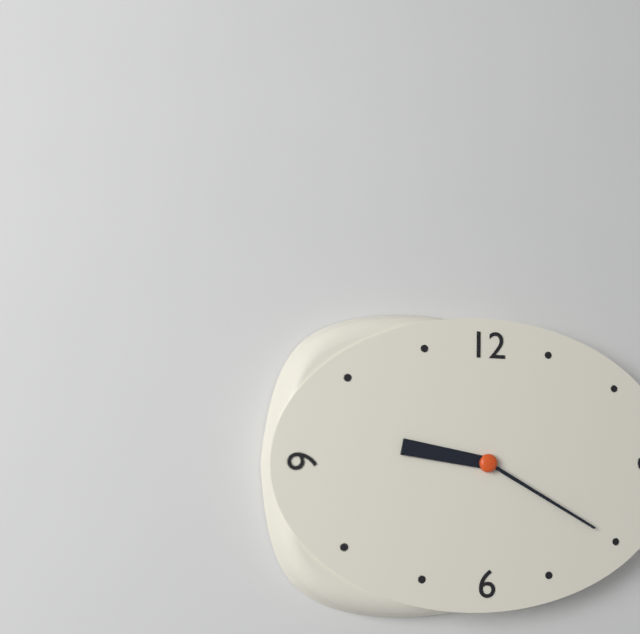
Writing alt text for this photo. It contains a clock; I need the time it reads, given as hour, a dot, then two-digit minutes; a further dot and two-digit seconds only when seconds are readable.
9.20
